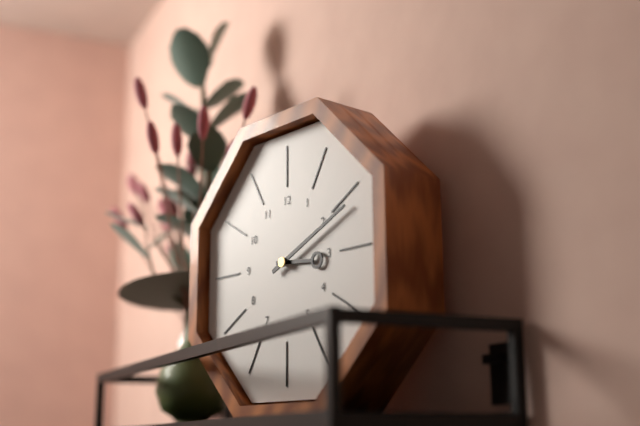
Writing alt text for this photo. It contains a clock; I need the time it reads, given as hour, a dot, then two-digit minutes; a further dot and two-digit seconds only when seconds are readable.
3.11
